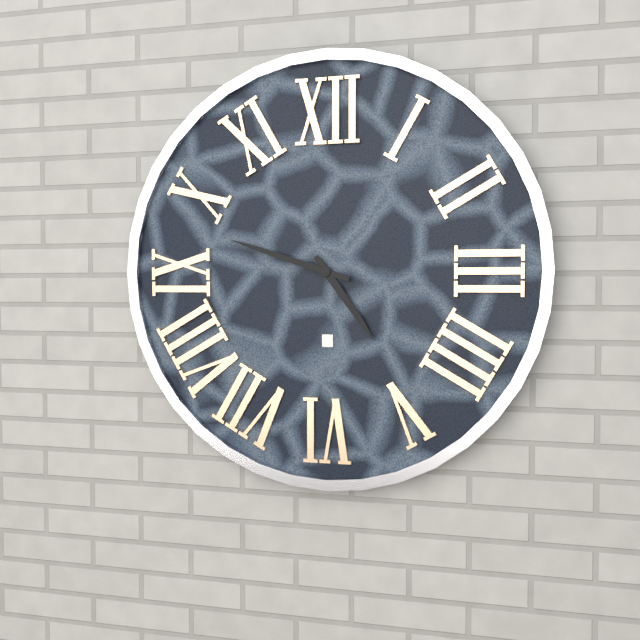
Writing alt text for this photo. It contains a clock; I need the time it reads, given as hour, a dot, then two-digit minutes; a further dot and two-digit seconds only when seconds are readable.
4.48
